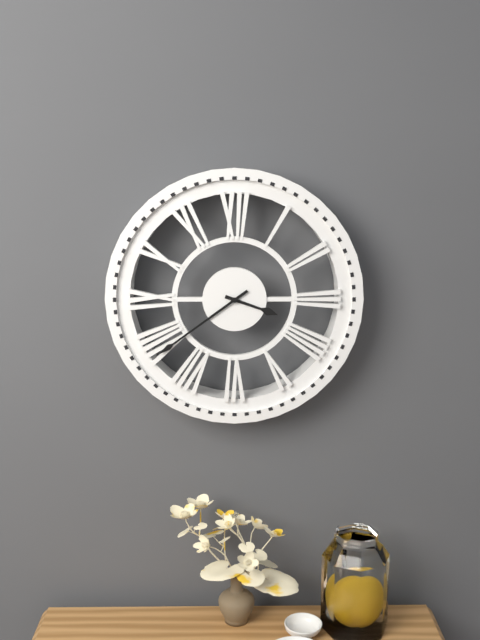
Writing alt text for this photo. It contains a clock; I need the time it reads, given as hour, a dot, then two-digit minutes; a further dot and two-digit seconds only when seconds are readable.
3.39
